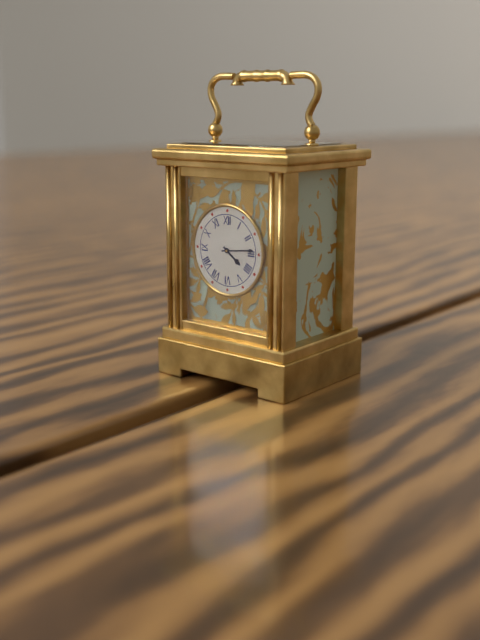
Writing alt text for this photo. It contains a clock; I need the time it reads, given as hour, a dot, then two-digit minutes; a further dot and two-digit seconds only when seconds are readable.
4.14
